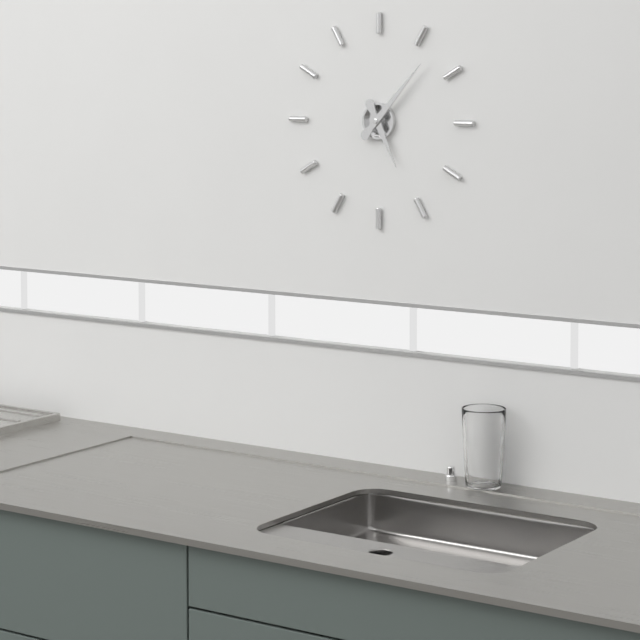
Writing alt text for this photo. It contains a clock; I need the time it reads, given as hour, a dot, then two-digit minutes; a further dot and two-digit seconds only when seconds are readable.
5.07
